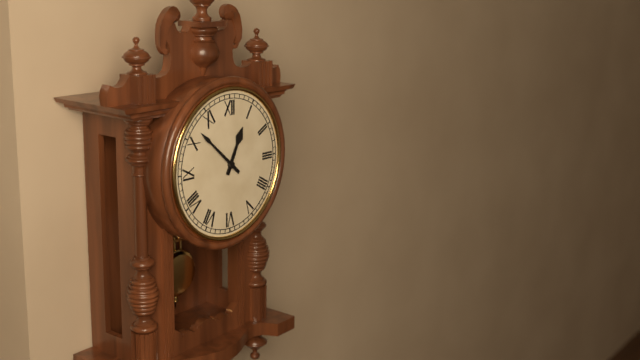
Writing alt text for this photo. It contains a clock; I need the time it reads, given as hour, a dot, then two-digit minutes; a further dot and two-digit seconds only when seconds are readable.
12.52
